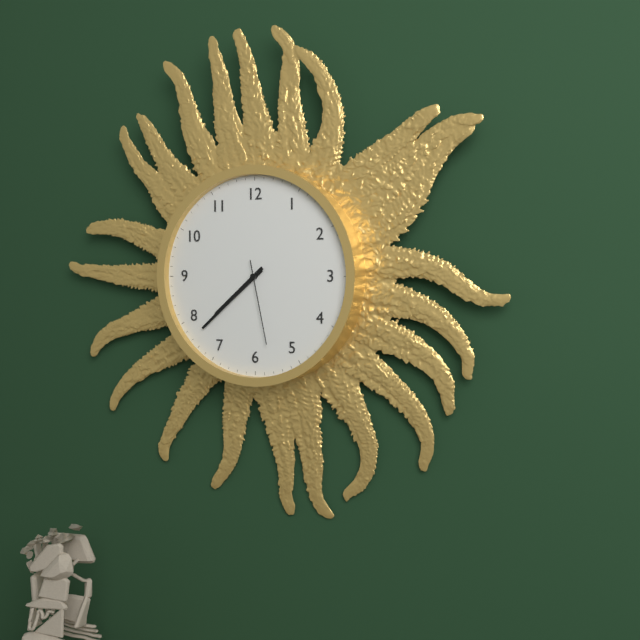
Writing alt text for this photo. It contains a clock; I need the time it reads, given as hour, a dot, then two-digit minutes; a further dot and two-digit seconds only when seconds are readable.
7.38.28
